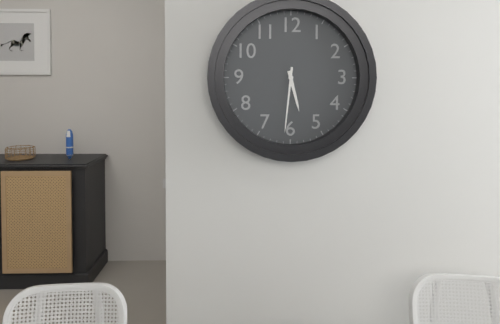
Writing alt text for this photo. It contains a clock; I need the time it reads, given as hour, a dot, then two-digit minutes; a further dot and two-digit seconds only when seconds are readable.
5.31
